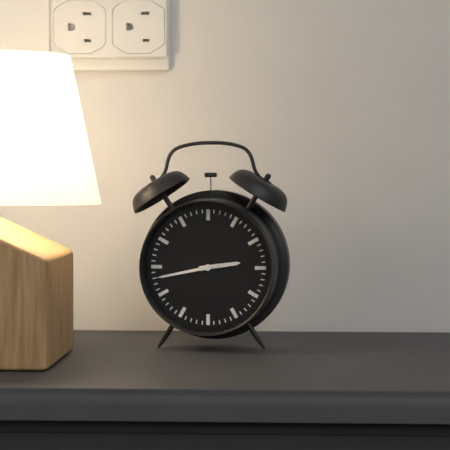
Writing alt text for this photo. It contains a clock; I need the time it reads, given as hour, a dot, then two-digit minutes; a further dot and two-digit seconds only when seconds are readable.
2.43
